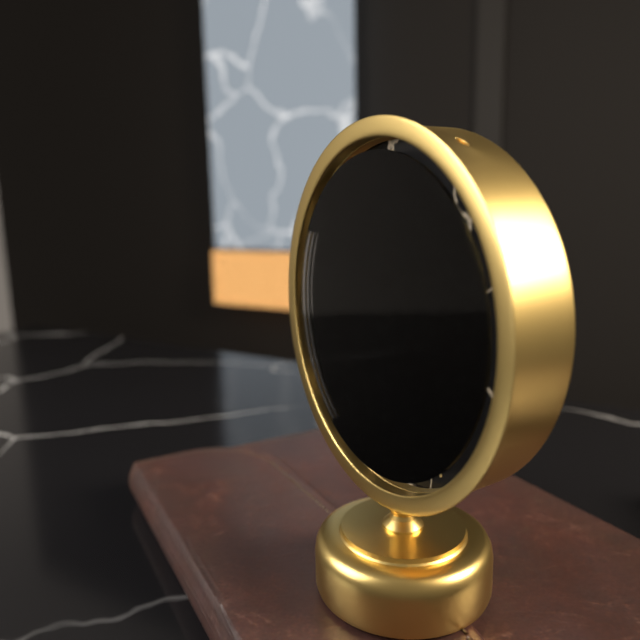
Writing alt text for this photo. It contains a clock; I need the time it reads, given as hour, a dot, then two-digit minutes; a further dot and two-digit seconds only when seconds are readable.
1.03.23
